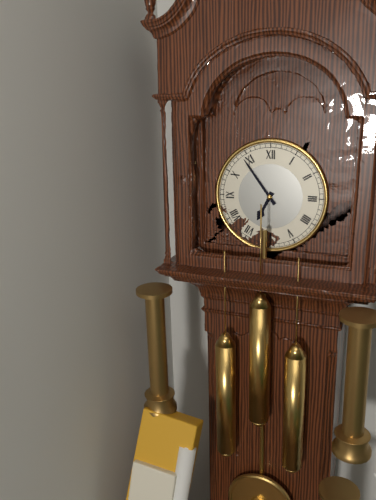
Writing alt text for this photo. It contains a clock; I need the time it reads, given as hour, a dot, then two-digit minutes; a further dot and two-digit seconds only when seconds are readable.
6.54
